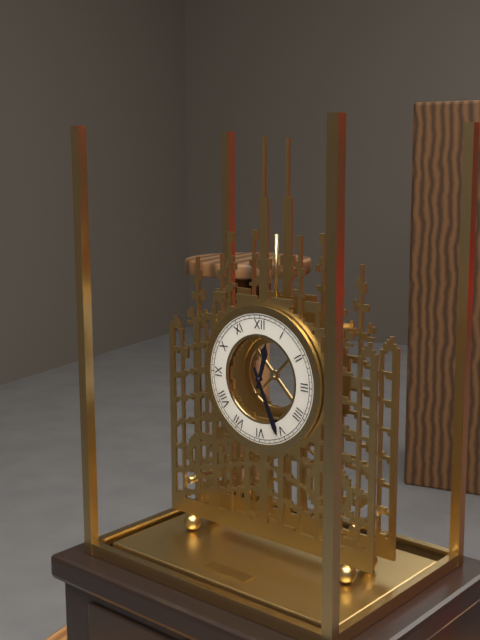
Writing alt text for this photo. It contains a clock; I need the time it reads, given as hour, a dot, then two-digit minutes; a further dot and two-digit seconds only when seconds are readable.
12.26
